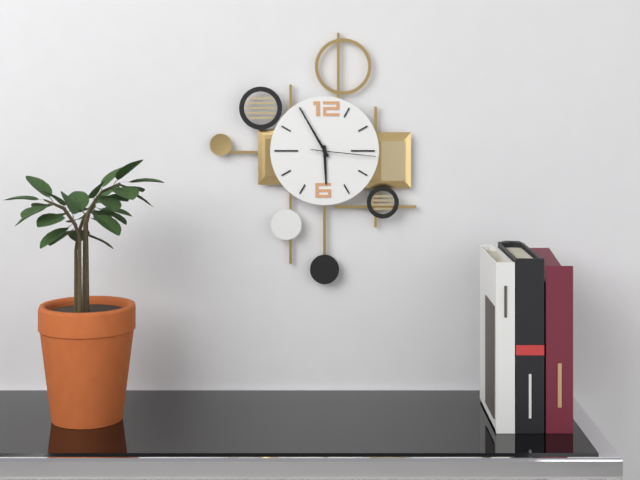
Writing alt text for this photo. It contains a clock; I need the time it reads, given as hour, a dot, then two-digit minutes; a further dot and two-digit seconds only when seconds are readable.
5.55.16
